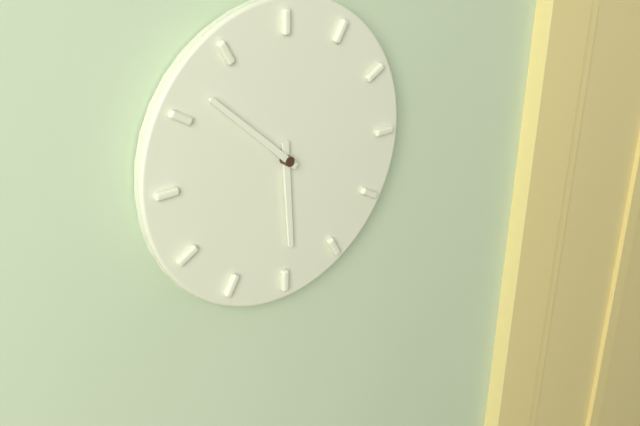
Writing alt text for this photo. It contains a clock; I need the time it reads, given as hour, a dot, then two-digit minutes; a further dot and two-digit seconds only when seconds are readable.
5.52
